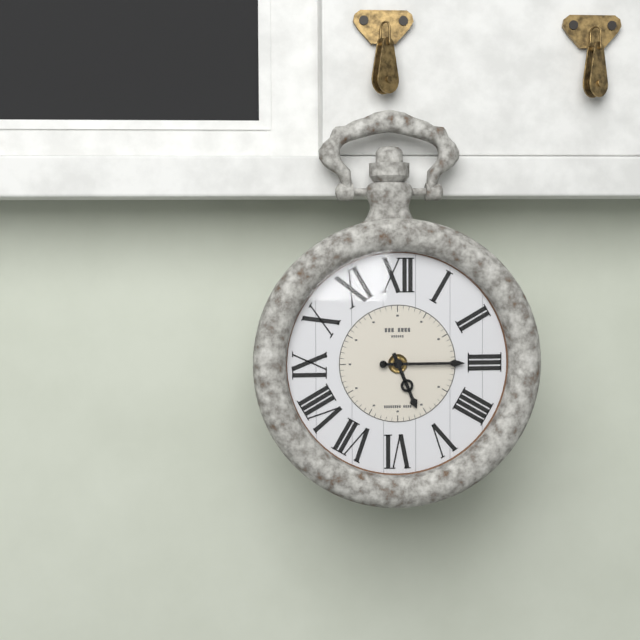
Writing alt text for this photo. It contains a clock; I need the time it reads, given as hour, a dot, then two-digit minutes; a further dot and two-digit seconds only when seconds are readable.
5.15
